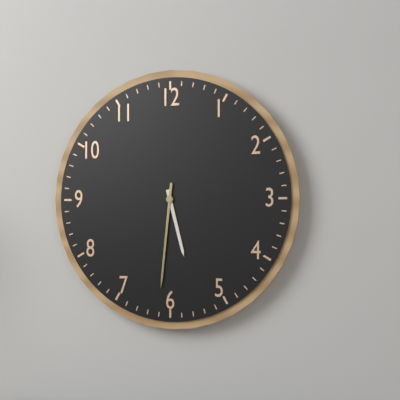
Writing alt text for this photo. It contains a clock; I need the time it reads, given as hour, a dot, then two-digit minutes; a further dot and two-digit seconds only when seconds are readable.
5.31
